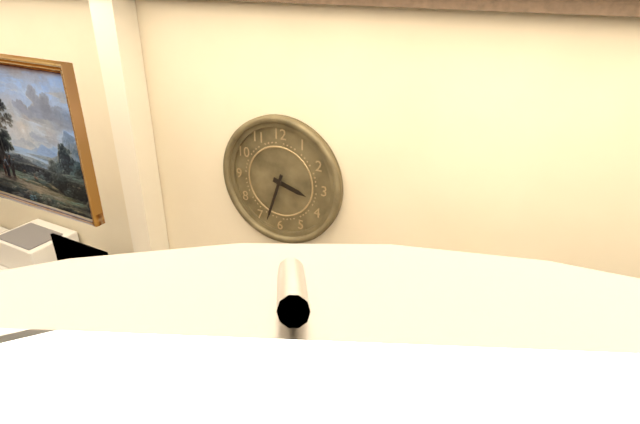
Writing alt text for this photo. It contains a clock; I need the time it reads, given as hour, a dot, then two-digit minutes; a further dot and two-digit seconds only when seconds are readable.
3.33
